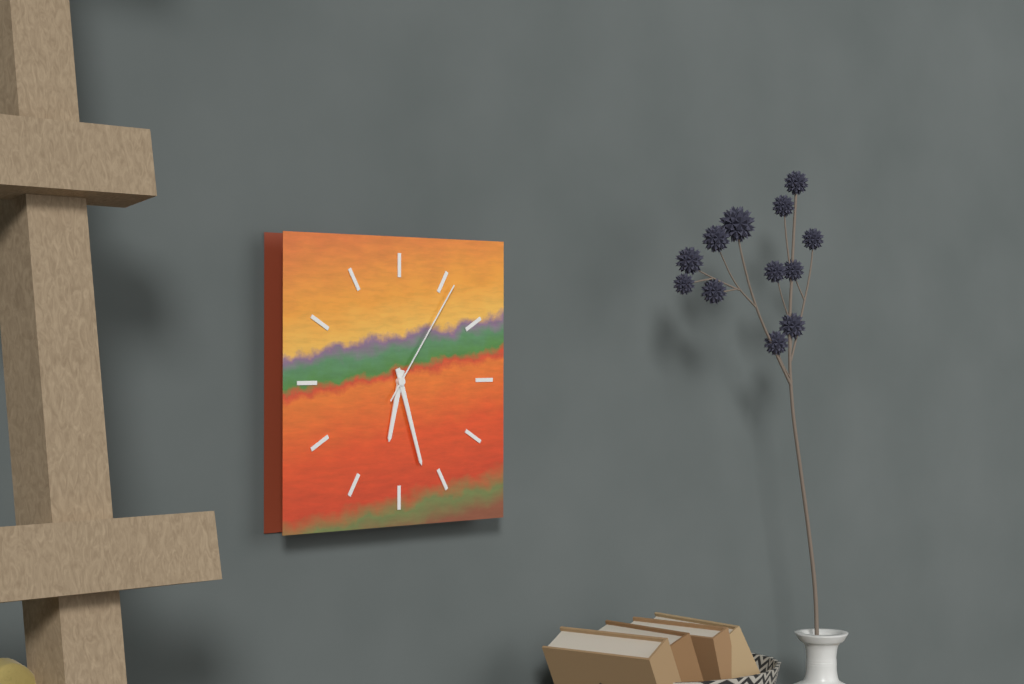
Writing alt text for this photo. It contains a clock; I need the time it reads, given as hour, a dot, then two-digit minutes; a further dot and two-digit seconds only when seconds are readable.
6.27.06
